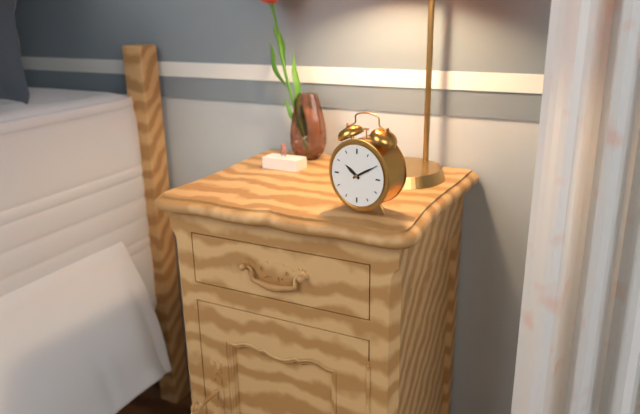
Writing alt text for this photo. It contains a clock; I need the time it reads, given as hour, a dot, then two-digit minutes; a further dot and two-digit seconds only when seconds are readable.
10.10
